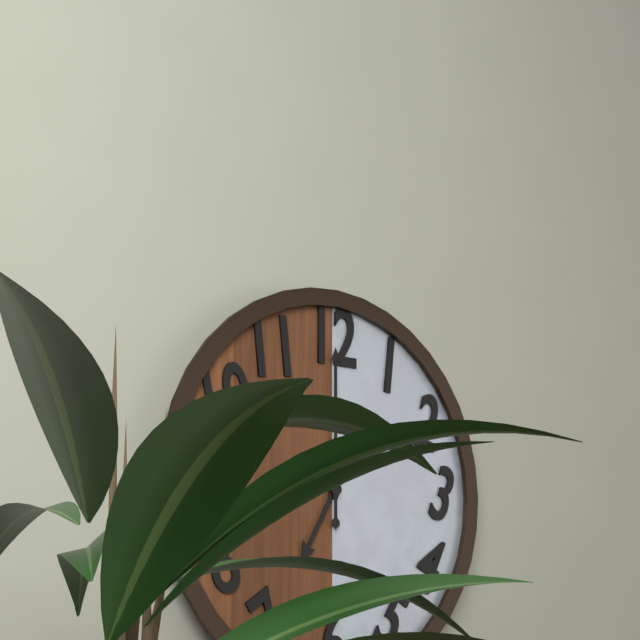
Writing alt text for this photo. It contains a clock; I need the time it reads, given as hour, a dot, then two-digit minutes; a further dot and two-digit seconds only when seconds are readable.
7.00
